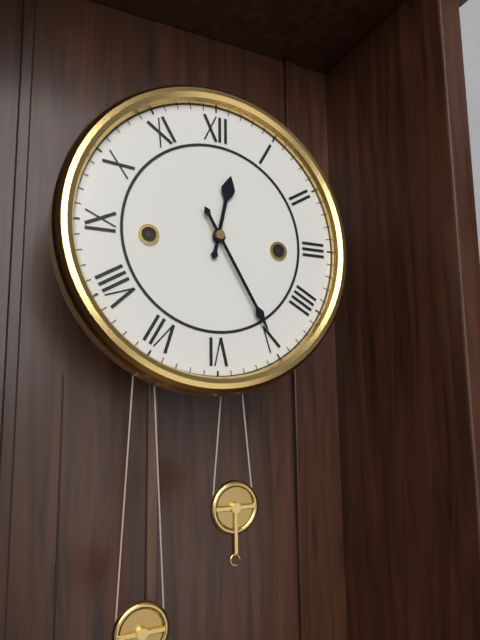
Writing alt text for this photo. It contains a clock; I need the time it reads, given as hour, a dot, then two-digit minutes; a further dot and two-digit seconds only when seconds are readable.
12.25
